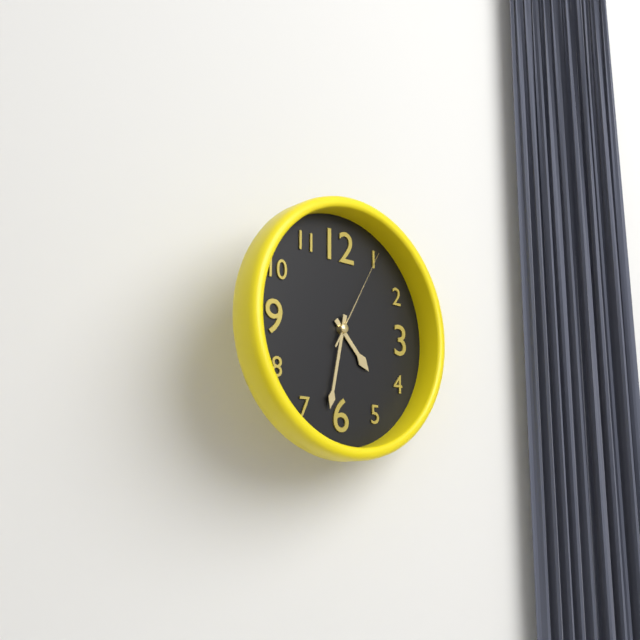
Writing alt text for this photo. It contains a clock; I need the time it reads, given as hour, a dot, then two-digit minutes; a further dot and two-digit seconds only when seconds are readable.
4.32.05
